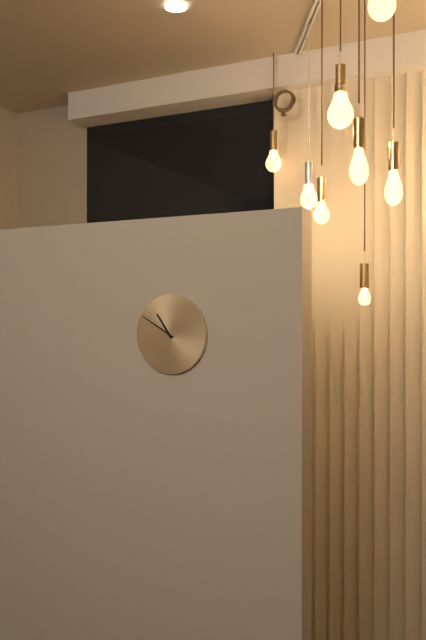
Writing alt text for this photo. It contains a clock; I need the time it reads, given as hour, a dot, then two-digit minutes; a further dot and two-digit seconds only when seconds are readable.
10.50
